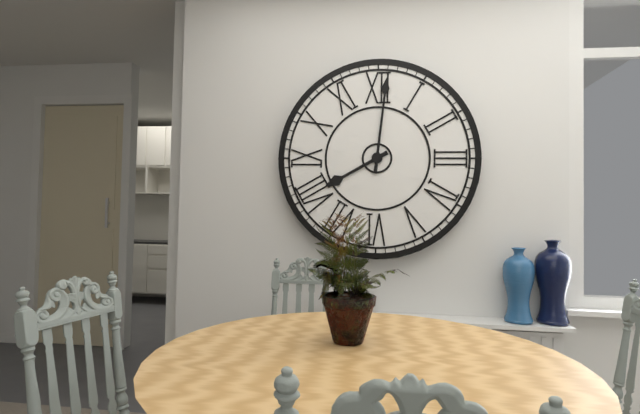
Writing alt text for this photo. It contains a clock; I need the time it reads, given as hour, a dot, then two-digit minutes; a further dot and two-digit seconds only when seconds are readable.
8.01
